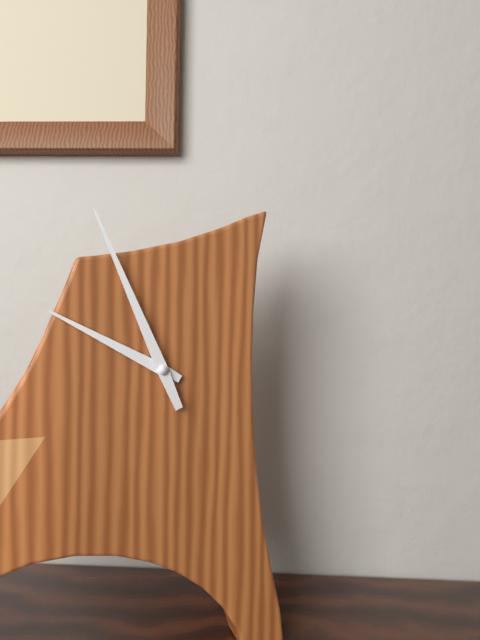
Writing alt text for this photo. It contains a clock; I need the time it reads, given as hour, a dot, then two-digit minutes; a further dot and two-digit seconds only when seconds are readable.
9.56
